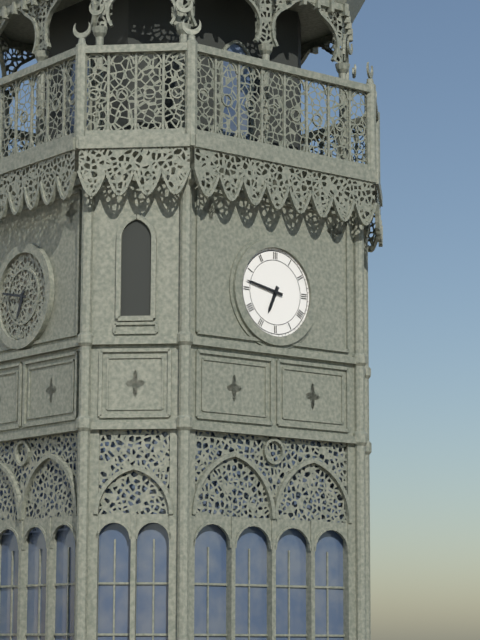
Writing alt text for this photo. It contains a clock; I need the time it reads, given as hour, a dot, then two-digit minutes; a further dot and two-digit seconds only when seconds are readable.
6.47
